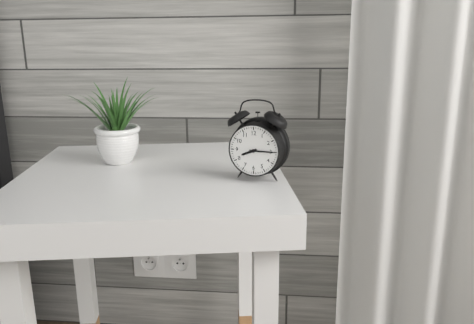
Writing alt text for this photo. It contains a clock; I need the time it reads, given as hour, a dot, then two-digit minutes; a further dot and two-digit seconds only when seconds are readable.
8.15
